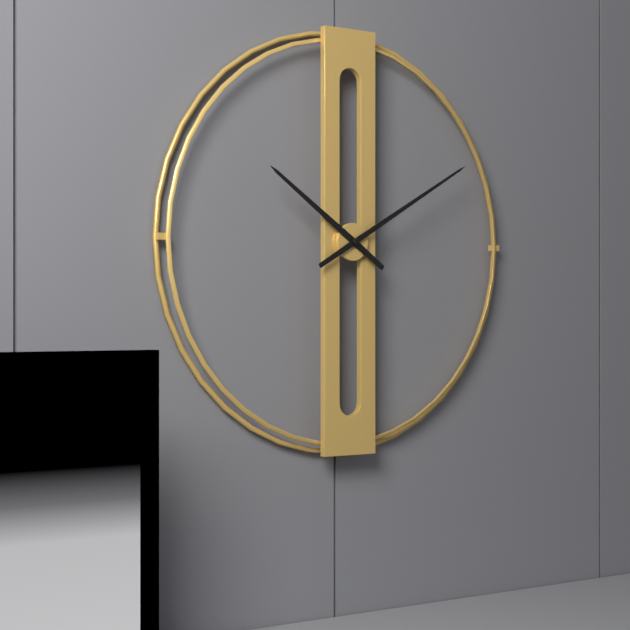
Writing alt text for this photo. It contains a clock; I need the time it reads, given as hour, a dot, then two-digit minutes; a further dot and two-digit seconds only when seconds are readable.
10.10
